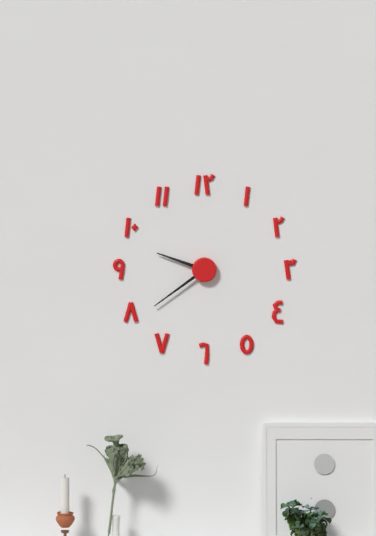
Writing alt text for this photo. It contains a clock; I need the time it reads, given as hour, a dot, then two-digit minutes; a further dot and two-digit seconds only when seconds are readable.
9.39
